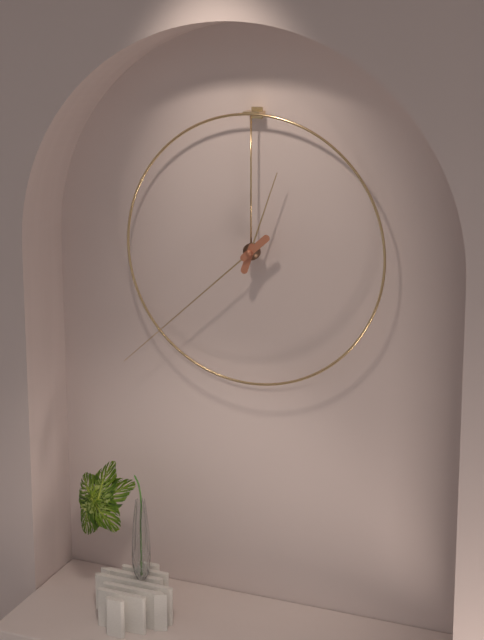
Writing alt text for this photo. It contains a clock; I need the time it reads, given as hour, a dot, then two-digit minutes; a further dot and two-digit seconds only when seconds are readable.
12.38
